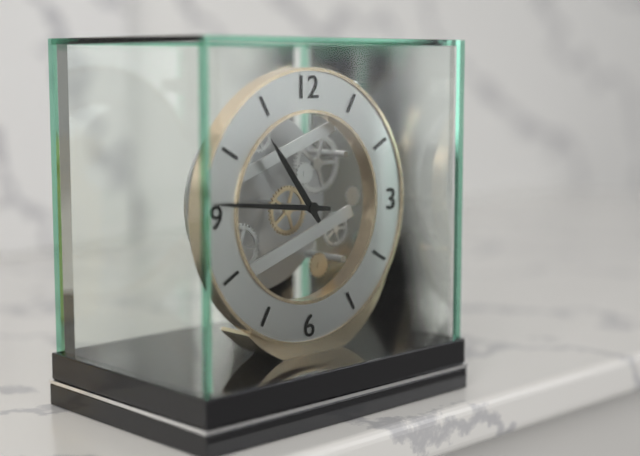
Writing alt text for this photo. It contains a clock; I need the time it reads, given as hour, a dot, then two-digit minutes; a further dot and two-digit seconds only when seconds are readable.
10.46
